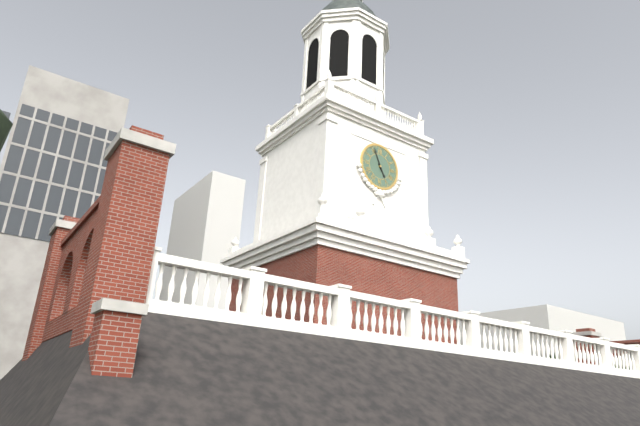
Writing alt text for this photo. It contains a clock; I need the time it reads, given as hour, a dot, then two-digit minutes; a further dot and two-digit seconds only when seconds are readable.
4.56
